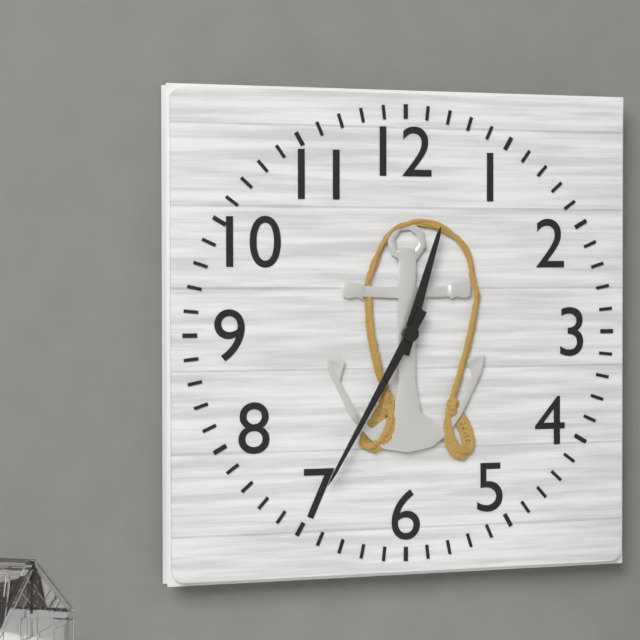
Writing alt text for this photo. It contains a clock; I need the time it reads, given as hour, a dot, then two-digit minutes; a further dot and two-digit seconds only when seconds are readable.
12.35
